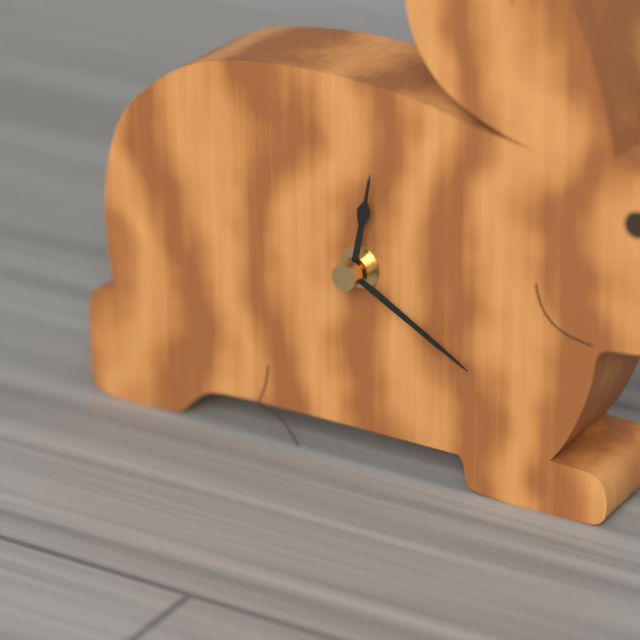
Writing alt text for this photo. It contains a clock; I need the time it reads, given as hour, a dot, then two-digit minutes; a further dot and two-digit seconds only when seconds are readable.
12.20
